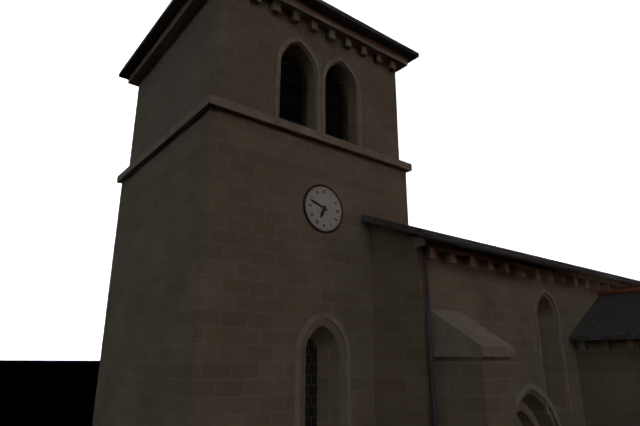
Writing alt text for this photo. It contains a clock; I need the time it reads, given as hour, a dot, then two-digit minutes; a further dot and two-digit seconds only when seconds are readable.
6.48
